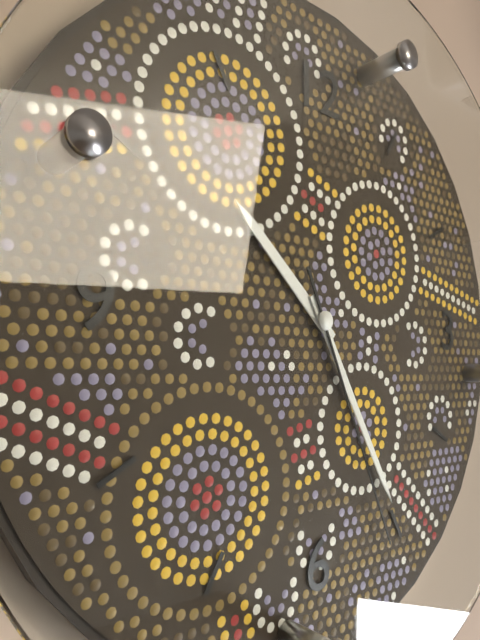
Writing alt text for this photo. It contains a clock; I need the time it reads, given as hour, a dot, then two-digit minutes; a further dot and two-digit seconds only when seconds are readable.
10.25.26
